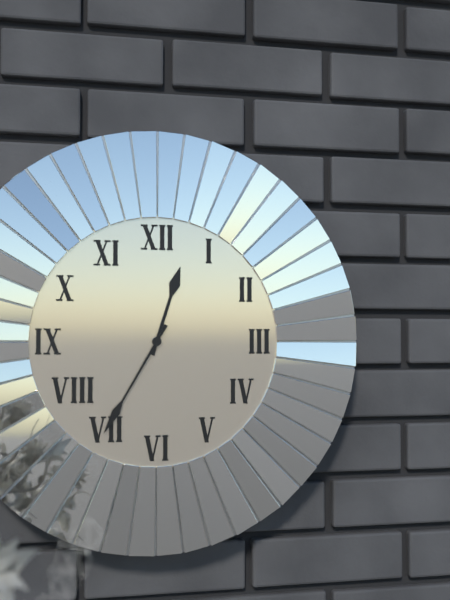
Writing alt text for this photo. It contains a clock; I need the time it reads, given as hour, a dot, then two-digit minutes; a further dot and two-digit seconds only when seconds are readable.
12.35
